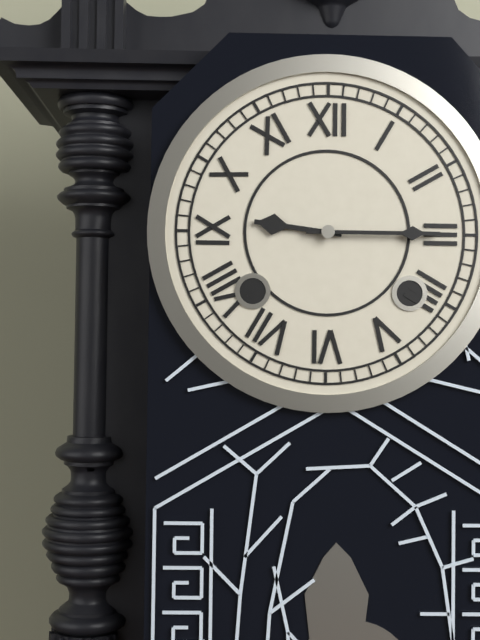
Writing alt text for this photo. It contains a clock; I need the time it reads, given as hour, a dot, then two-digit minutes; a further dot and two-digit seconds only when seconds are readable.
9.15
